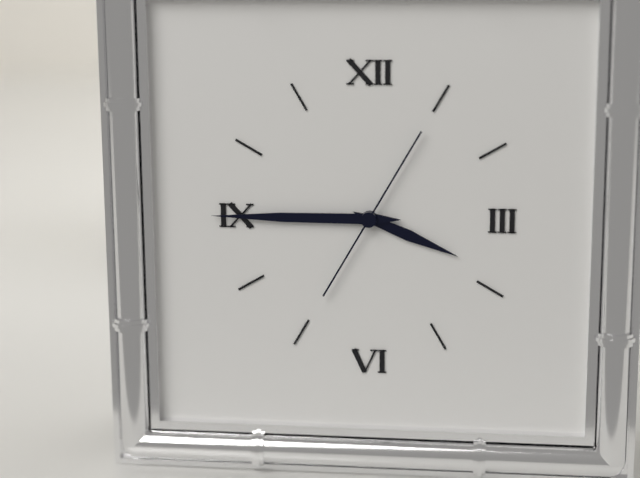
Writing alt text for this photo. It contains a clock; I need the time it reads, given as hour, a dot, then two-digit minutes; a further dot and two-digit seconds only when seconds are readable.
3.45.05
